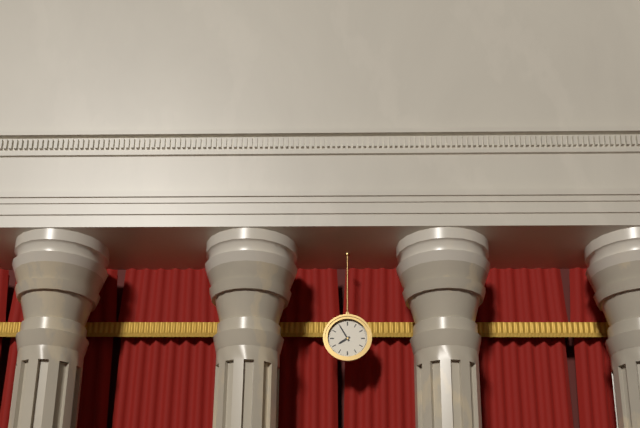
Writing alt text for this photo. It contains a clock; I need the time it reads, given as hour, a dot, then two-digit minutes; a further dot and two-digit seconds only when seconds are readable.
7.55
